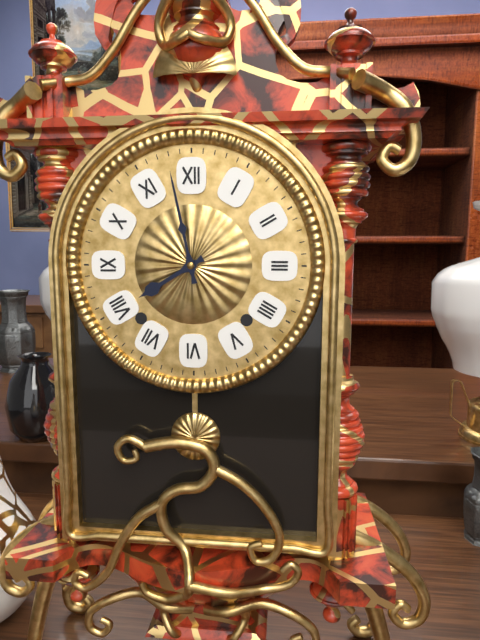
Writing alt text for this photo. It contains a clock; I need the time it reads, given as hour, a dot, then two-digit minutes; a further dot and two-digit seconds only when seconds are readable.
7.58
